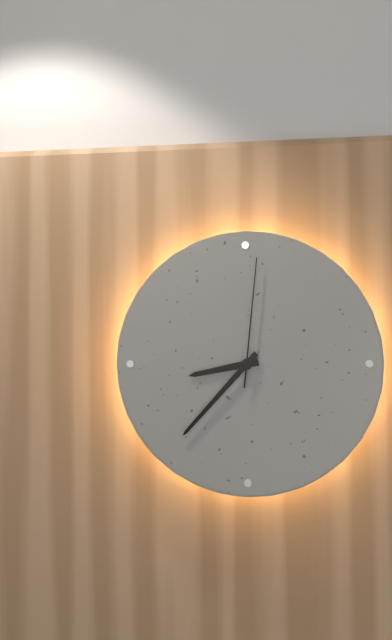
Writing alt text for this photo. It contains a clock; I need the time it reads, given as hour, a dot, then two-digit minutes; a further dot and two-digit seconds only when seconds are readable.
8.37.01
